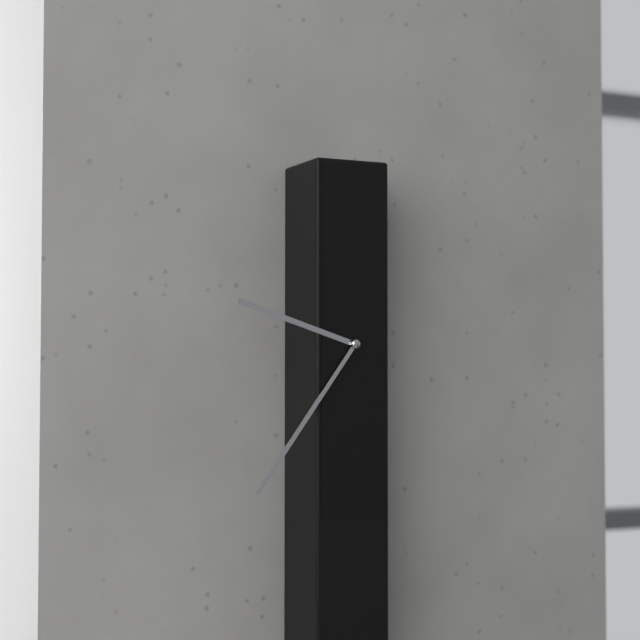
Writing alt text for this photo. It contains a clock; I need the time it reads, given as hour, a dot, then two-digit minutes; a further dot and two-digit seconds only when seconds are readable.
9.36
